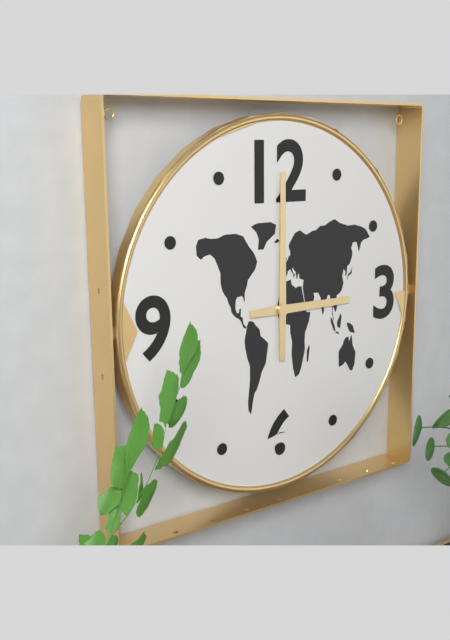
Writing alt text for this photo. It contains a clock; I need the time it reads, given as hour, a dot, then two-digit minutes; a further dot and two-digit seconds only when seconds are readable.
3.00
